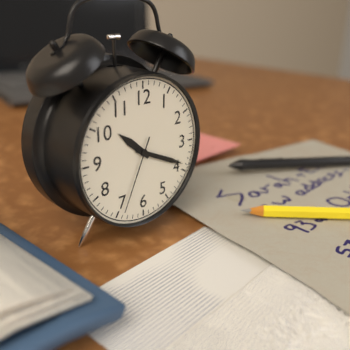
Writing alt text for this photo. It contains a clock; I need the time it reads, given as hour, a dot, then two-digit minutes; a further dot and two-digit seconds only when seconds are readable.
10.19.34
